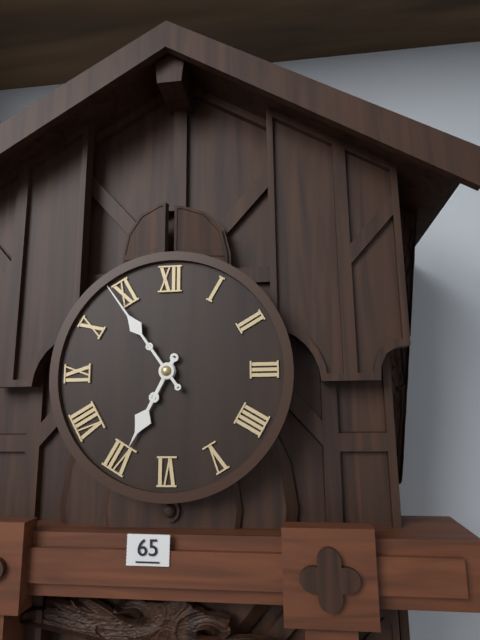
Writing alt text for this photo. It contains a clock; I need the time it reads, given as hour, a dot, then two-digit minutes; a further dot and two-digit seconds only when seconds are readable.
6.54
